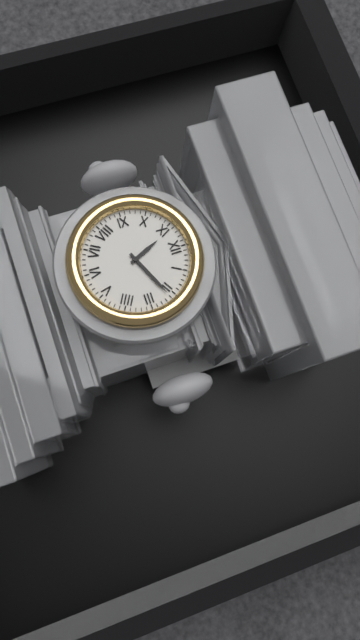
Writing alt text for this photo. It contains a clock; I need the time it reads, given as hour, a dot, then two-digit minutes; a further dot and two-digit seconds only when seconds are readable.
11.11
